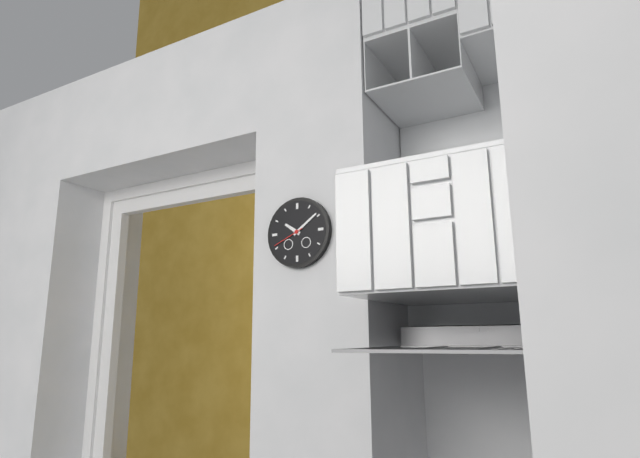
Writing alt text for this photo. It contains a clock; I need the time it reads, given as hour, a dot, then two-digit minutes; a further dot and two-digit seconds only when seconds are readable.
10.09
